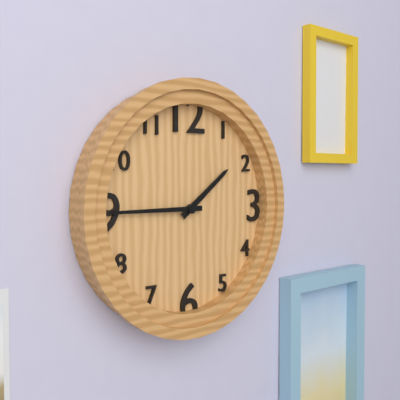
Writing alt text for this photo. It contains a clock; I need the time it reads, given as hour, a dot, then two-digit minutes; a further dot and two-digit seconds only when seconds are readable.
1.45
